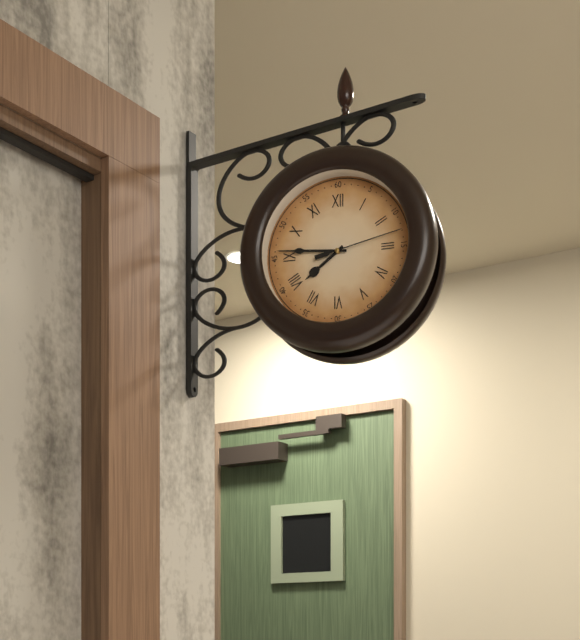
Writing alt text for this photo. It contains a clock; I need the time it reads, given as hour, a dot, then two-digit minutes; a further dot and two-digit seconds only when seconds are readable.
7.46.13
